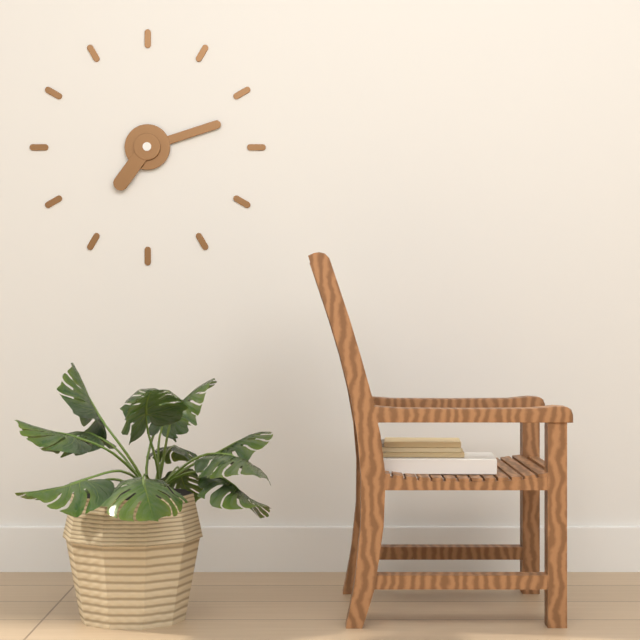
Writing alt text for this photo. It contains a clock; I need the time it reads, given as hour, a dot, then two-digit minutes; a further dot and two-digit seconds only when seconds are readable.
7.12
